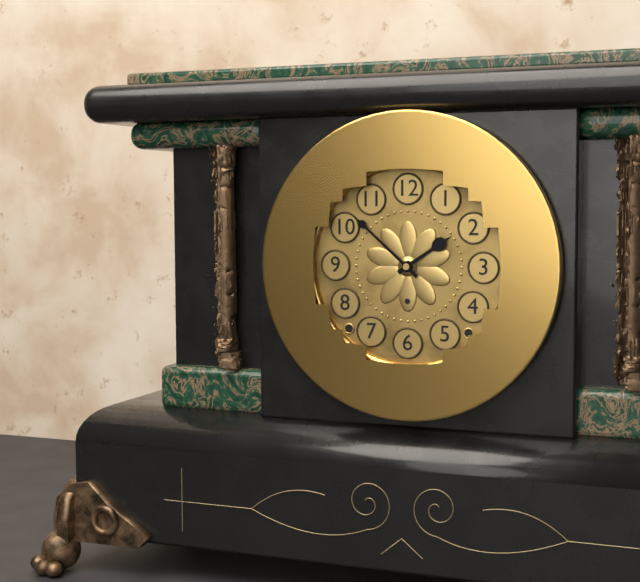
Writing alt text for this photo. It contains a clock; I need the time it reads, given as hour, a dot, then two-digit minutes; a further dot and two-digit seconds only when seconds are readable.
1.52
